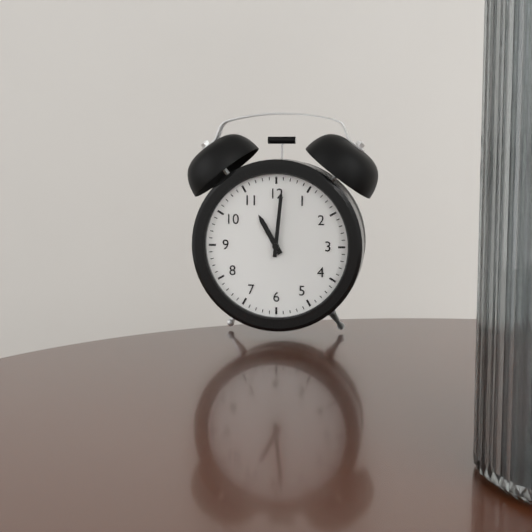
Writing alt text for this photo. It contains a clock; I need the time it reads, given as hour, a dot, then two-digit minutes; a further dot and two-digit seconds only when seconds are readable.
11.01
